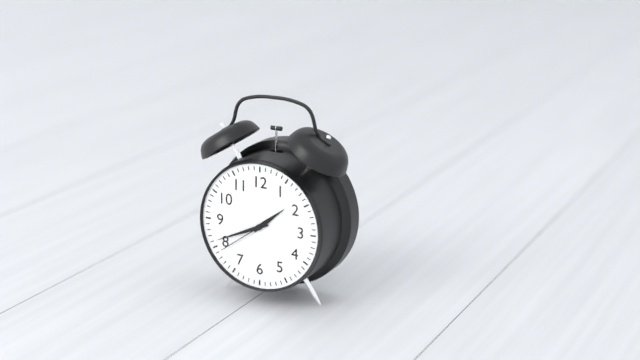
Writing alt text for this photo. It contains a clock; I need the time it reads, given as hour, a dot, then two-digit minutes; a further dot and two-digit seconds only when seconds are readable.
1.41.39
